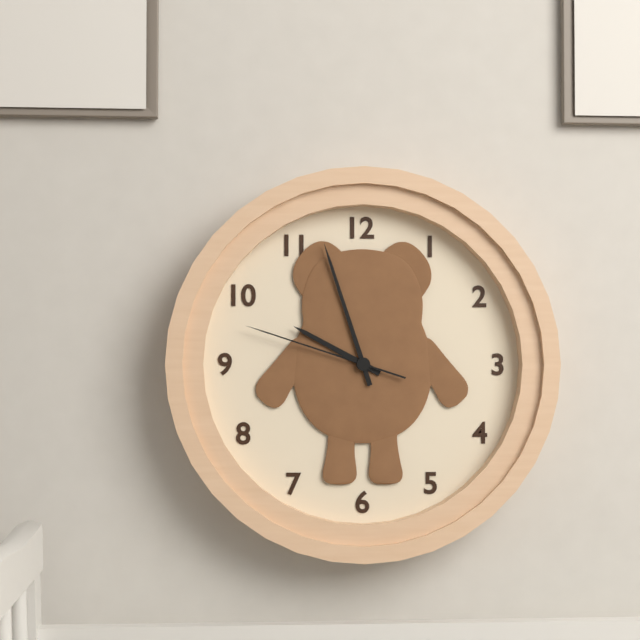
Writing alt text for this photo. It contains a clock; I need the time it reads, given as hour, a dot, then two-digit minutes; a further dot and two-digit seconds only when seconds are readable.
9.57.48
